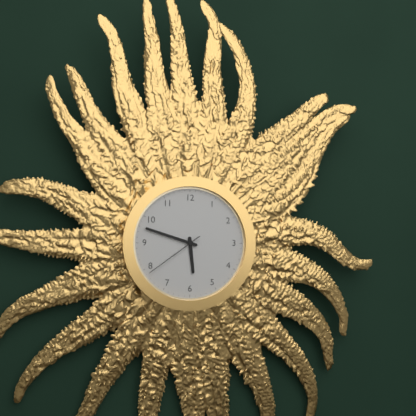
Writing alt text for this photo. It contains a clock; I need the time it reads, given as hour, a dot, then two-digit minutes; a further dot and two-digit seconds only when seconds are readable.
5.48.39
